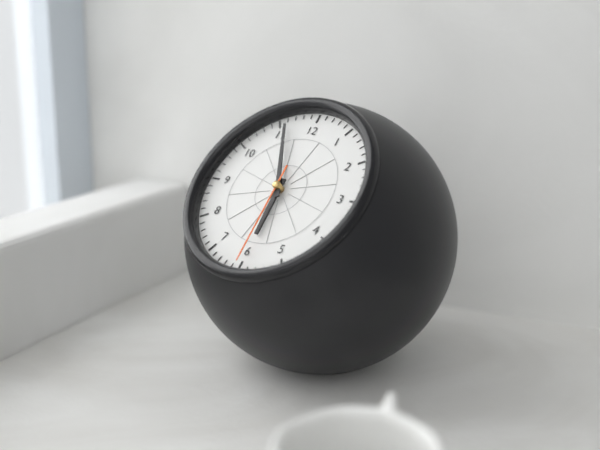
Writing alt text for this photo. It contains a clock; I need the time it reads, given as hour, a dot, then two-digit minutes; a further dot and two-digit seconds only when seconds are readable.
5.56.30
